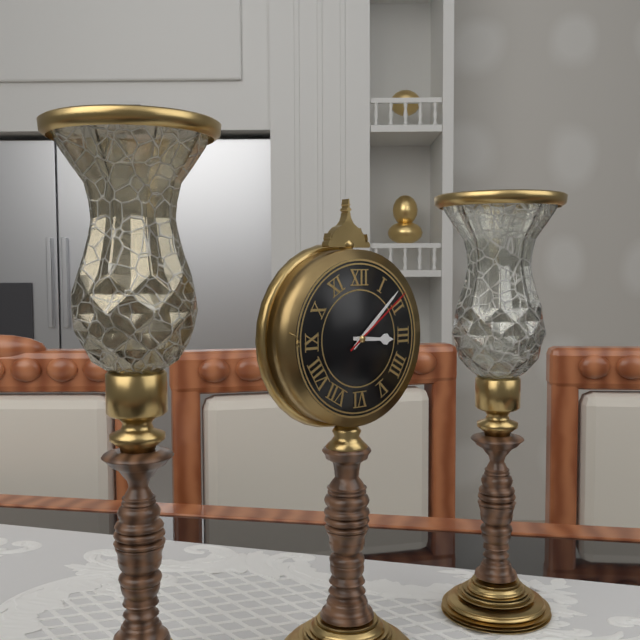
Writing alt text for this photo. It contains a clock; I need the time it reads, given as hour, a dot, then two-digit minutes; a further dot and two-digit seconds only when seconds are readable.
3.08.09
